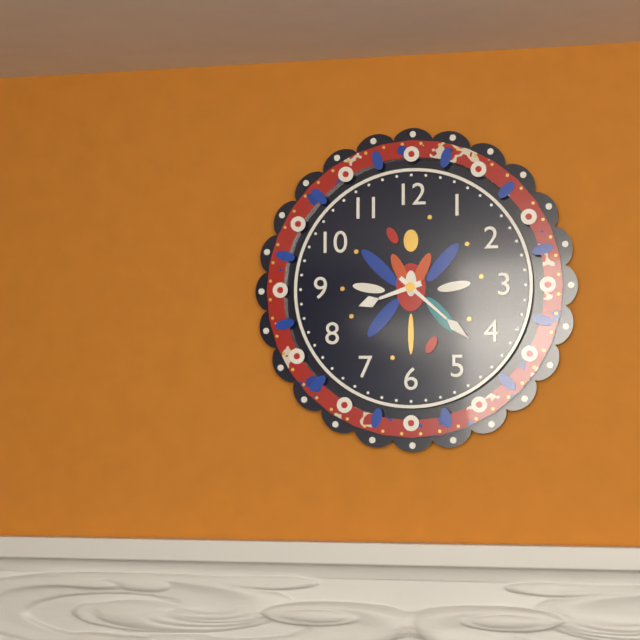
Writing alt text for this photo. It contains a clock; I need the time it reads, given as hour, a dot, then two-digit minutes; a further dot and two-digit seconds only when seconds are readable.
8.22
